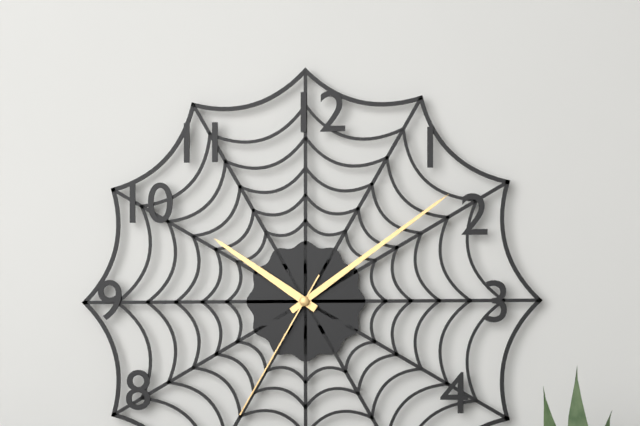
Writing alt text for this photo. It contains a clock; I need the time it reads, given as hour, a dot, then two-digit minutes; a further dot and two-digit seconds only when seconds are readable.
10.09.35
